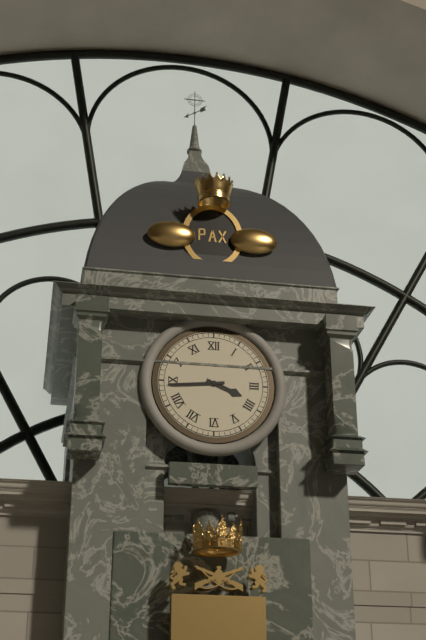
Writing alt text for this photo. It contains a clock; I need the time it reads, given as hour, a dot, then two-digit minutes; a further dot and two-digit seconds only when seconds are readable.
3.44
